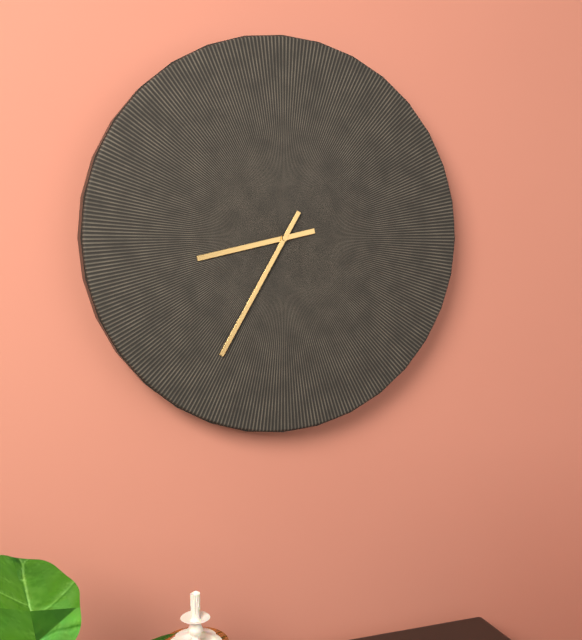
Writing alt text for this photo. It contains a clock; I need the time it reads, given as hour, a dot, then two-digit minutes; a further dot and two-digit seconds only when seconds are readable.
8.35
